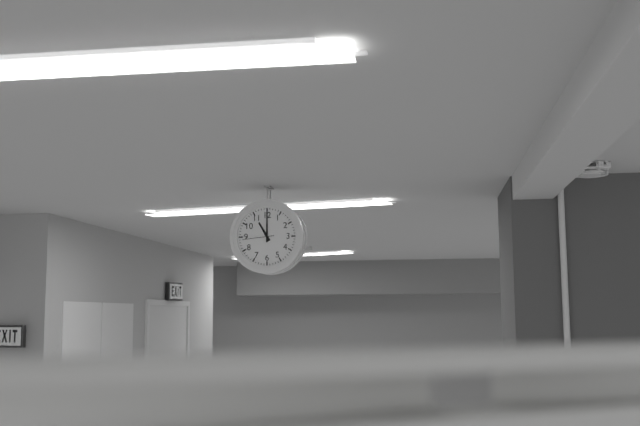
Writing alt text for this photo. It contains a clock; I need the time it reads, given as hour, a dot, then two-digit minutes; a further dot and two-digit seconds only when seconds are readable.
11.00
